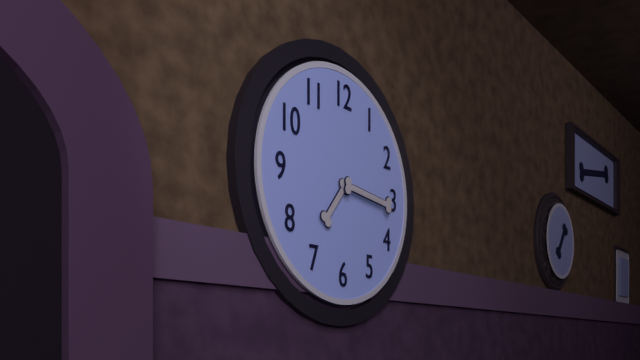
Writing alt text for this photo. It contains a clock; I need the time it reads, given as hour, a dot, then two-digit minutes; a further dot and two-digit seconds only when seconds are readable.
7.16
